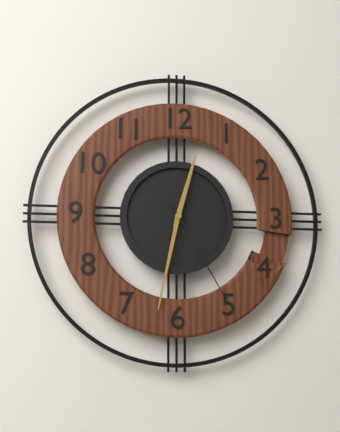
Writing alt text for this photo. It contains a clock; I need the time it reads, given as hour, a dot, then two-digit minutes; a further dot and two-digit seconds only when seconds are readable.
12.32.25
